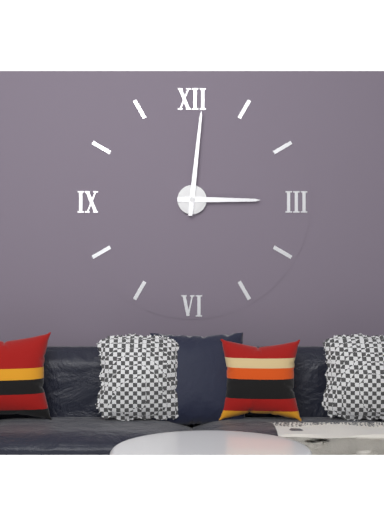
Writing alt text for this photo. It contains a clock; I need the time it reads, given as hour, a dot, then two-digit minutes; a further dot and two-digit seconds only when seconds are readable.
3.01
